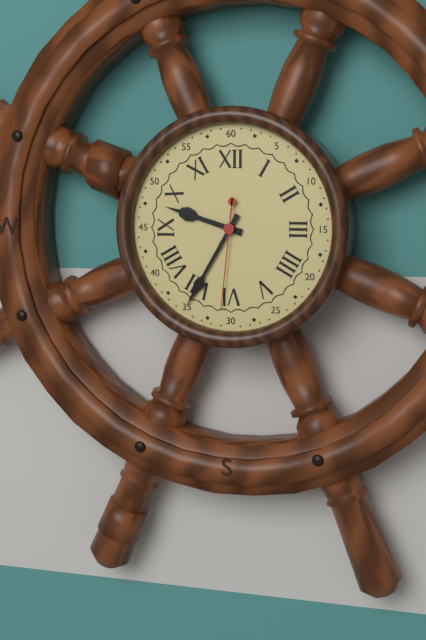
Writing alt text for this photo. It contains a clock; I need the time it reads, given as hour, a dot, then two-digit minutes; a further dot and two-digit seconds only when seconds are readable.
9.35.31
